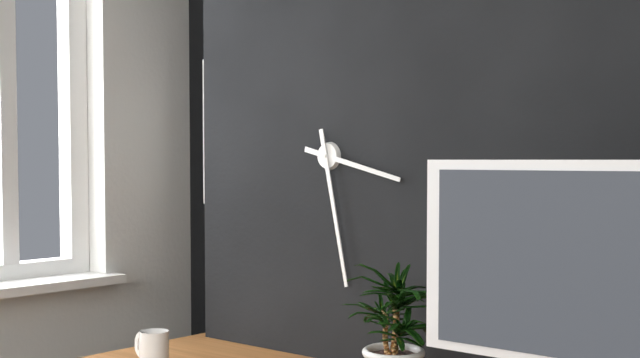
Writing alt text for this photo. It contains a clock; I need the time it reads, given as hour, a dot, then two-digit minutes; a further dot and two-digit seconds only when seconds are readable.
3.28
